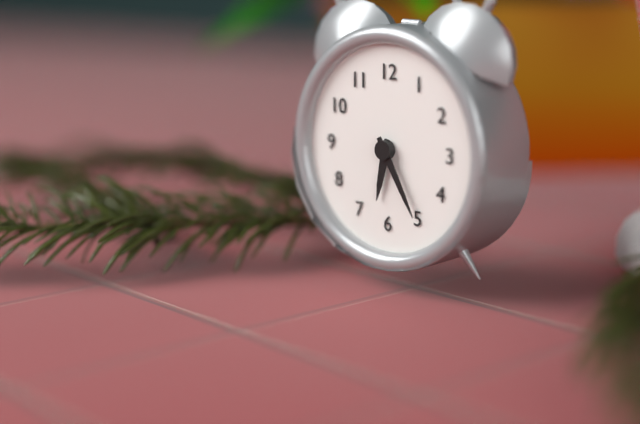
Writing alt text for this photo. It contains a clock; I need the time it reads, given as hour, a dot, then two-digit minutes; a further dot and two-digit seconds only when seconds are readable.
6.25
